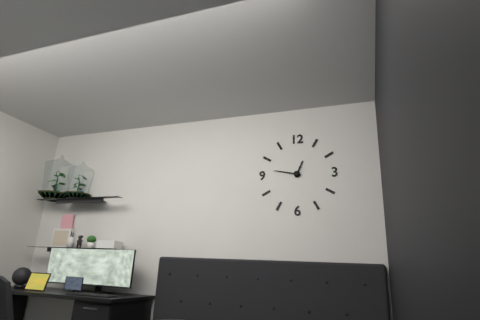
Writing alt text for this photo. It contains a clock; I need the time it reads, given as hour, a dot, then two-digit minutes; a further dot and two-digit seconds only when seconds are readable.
12.47
